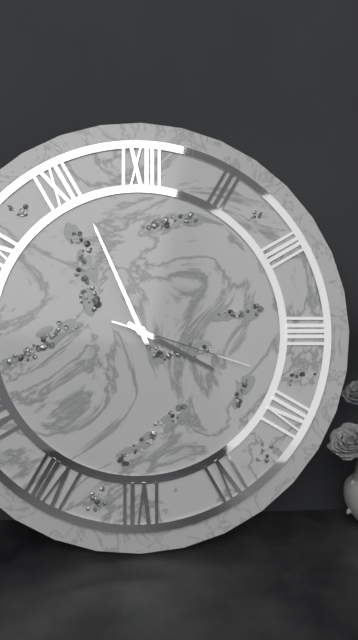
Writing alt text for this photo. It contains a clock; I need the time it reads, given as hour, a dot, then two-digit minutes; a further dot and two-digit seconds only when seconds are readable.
3.56.18
